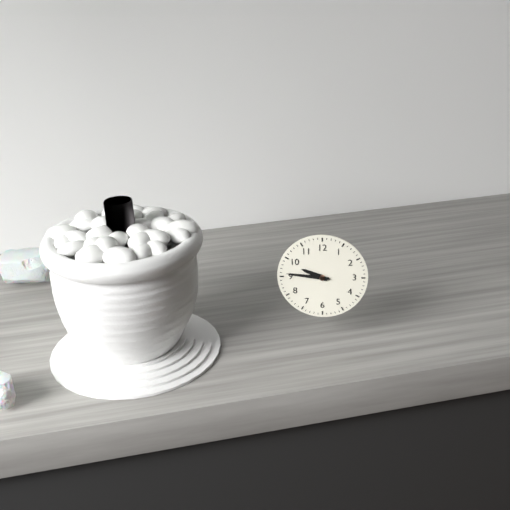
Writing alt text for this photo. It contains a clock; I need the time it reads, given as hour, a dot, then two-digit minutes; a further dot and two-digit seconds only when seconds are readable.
9.46
